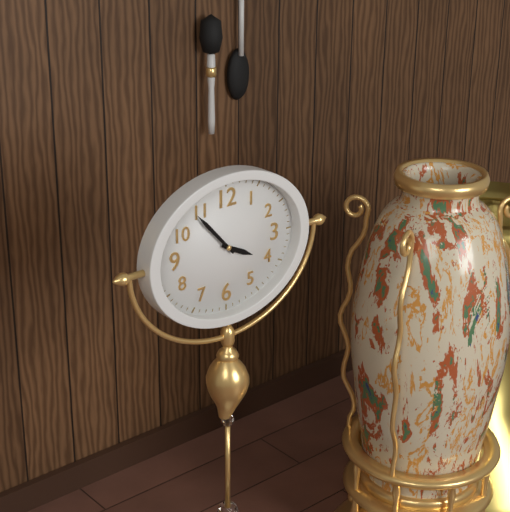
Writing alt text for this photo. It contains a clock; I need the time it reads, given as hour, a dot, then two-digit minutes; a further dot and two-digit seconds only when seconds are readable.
3.53
